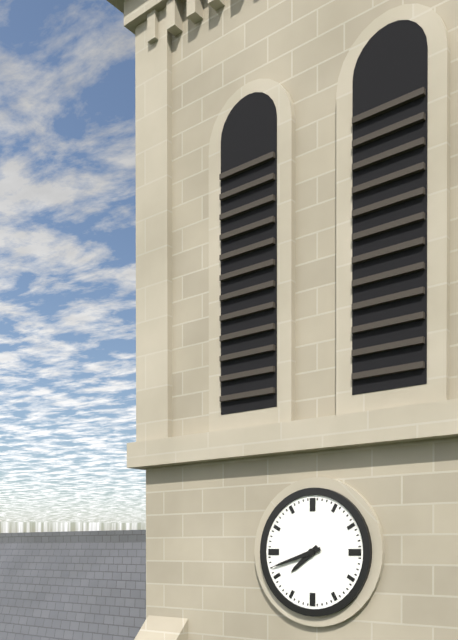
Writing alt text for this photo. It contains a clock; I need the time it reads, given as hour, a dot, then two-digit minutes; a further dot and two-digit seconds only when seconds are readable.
7.42
